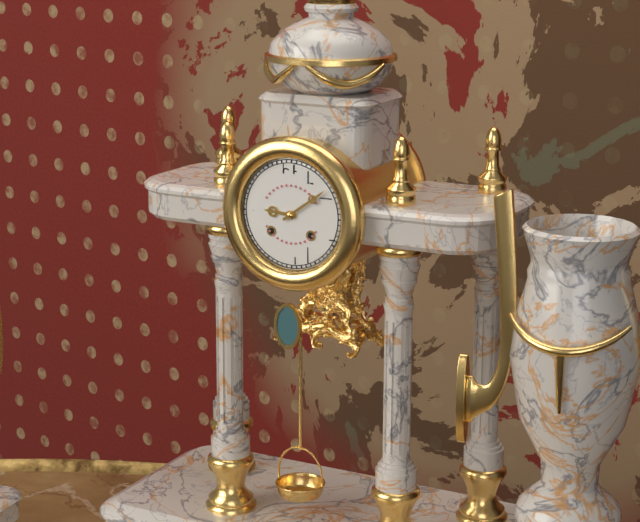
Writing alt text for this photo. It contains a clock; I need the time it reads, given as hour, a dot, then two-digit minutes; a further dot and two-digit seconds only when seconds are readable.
9.09
